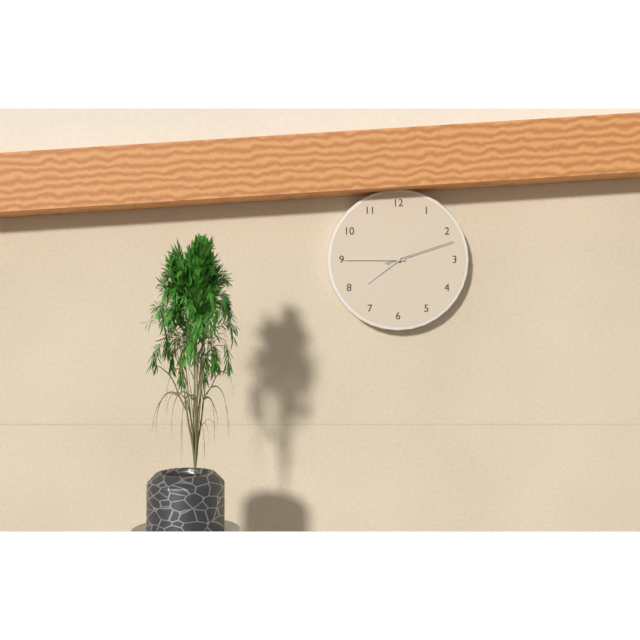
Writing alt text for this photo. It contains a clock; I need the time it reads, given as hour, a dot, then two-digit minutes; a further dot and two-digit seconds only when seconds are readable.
7.45.12
